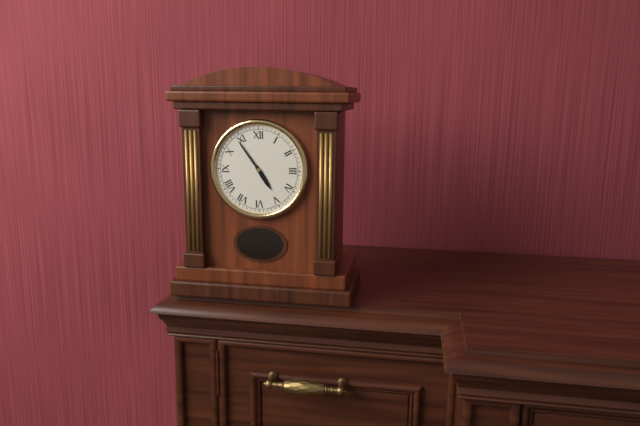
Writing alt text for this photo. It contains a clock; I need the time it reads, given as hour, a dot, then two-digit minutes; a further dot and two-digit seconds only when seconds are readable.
4.54
